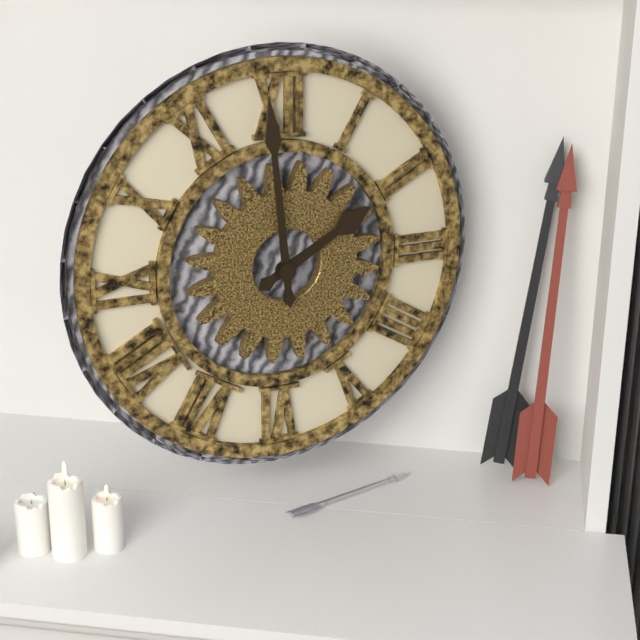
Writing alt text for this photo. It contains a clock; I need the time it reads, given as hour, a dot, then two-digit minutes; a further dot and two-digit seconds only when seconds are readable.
1.59
